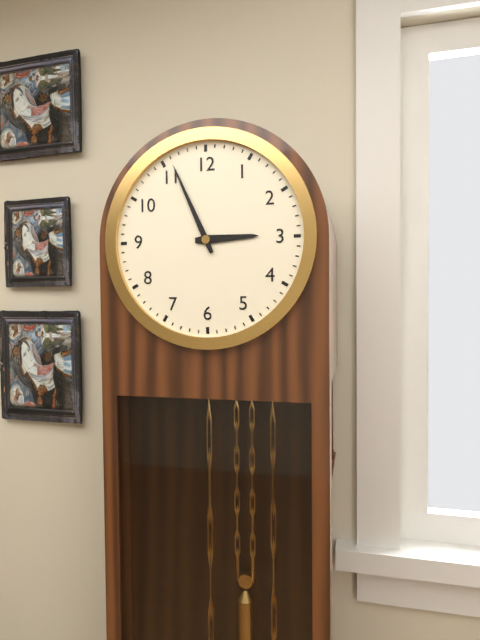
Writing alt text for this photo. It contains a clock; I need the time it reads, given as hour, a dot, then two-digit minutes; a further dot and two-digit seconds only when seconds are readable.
2.56
